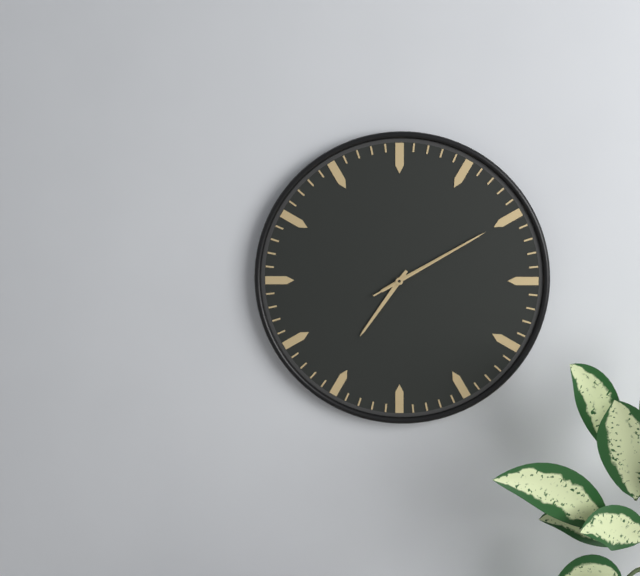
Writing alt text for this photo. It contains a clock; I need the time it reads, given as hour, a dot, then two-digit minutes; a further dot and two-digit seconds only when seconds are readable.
7.10.10
